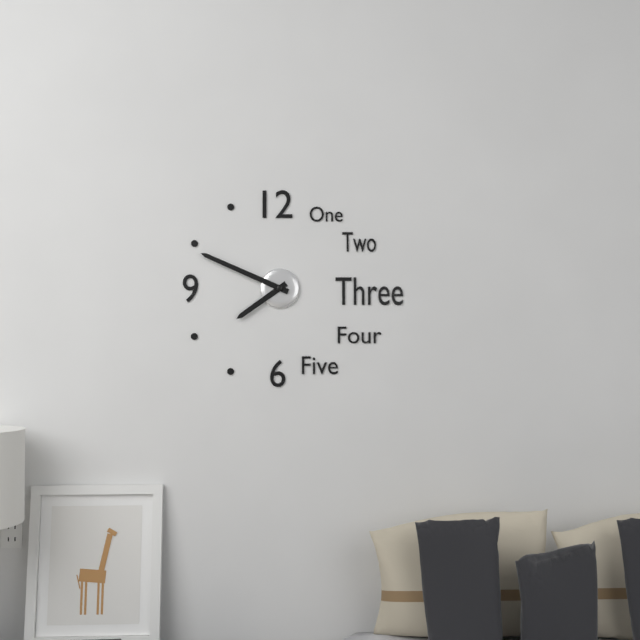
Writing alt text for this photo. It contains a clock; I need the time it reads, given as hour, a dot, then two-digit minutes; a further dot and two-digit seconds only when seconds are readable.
7.49
